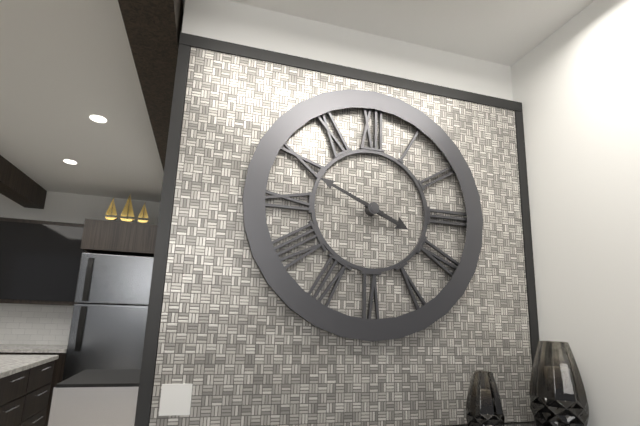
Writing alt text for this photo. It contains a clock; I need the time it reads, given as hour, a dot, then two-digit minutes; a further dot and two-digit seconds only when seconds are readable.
3.49
